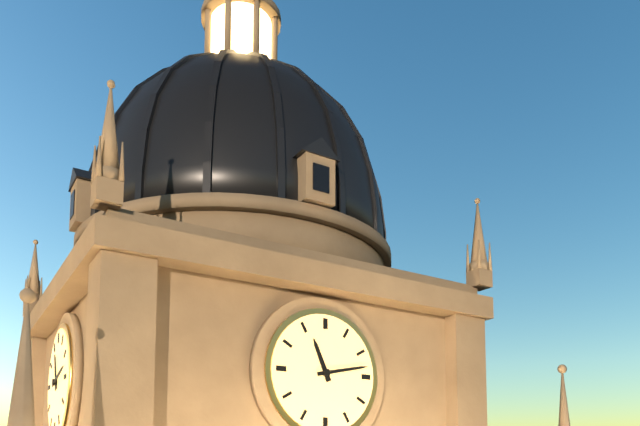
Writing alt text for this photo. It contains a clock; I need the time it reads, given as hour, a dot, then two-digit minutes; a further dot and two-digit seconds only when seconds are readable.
11.13
